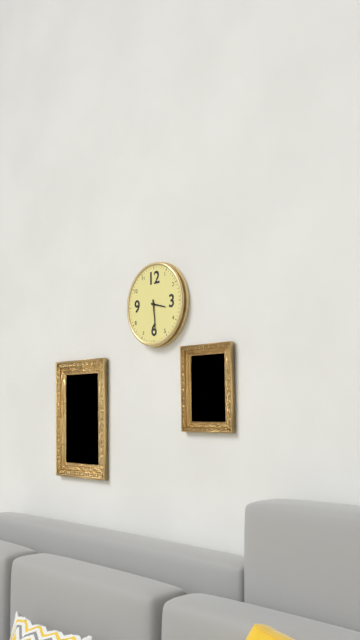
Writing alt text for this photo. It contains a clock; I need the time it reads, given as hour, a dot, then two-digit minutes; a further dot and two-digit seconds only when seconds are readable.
3.29
